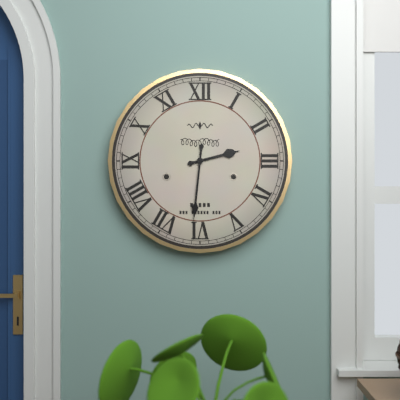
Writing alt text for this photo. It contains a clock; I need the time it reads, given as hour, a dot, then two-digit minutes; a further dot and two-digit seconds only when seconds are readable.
2.31
